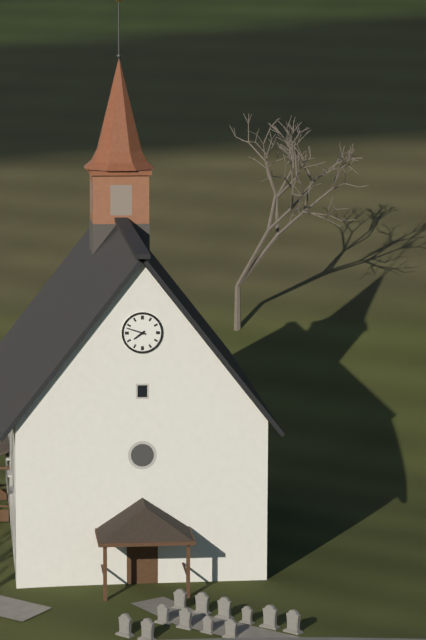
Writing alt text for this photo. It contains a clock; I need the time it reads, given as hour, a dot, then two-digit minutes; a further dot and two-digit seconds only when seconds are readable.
7.48
